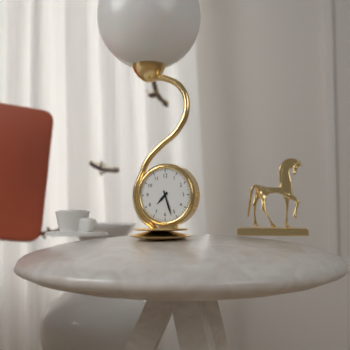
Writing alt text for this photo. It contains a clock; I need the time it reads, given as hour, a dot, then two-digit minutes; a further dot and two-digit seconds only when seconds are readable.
7.27
